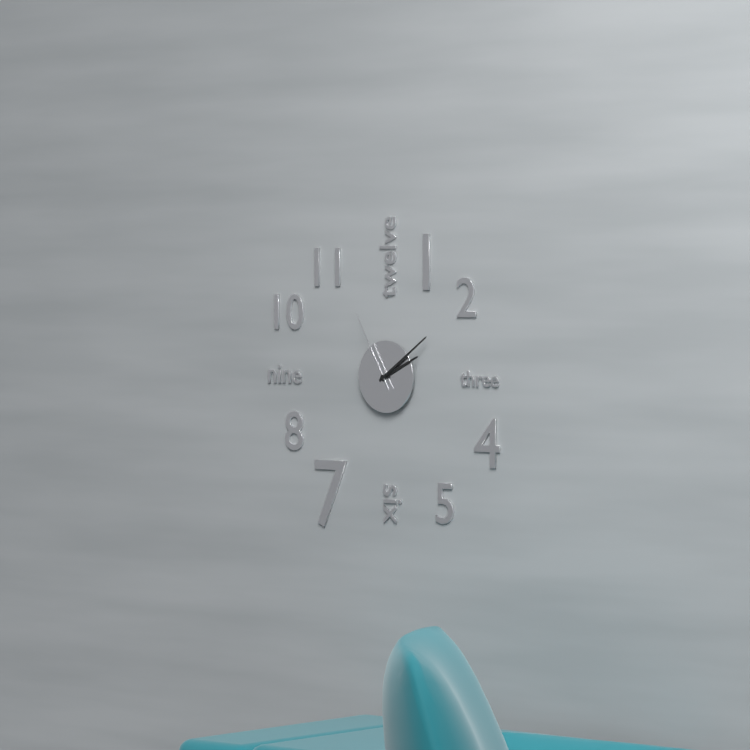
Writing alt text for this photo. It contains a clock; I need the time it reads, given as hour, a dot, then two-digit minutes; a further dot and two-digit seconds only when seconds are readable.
2.09.55
